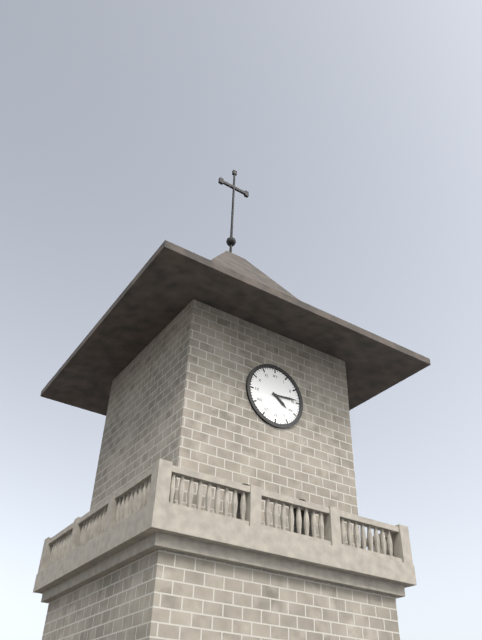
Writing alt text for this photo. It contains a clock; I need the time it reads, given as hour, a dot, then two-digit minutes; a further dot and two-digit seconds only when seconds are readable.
4.14
